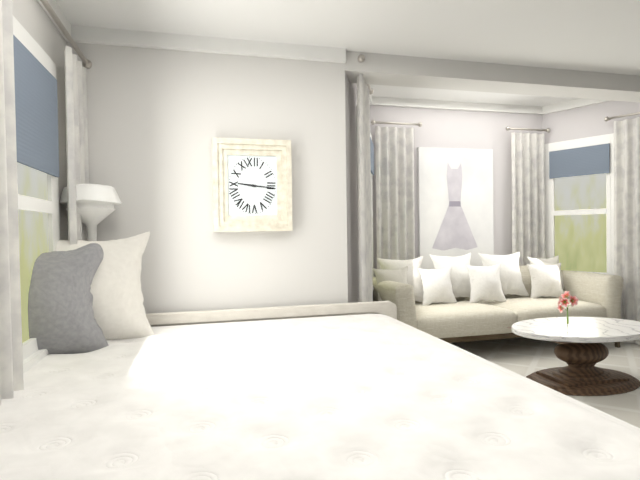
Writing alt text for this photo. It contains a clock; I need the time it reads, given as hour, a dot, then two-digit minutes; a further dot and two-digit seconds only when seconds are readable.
9.16
